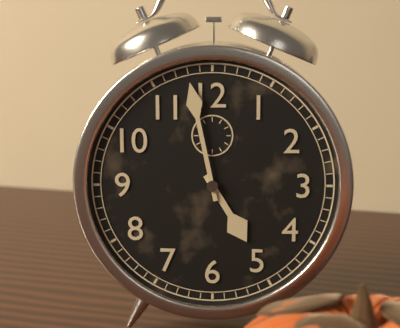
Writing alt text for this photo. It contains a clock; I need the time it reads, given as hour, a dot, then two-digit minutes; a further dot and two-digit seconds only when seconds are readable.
4.58
